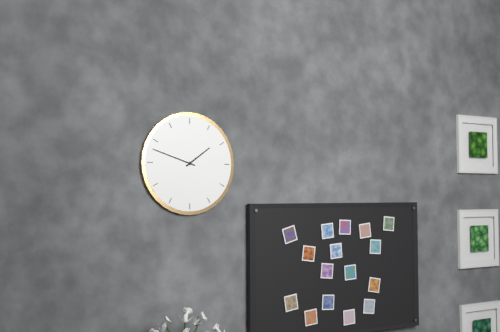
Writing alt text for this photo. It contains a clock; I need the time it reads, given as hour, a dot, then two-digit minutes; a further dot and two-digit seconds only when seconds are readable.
1.48
